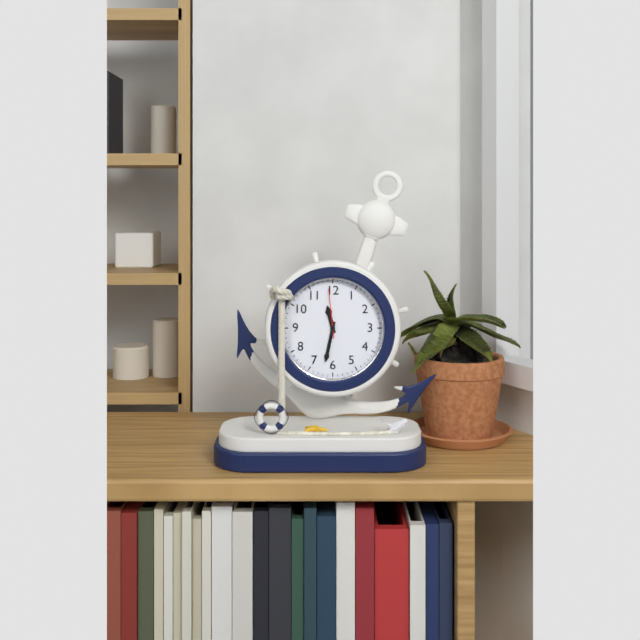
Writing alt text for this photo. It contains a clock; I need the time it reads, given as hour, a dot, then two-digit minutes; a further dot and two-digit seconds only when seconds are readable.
11.32
